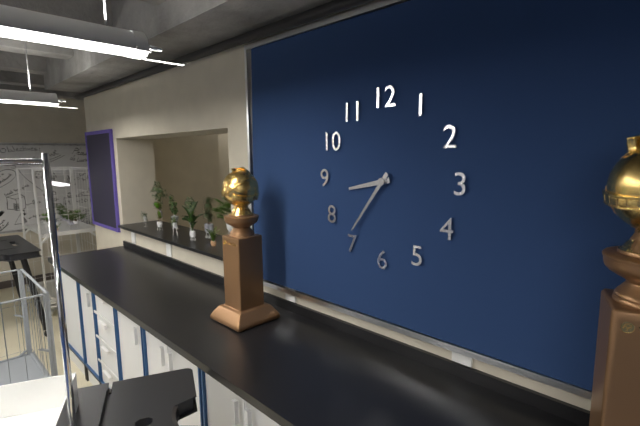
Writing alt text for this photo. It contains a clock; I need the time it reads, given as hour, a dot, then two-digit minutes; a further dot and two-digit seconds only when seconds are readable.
8.36
